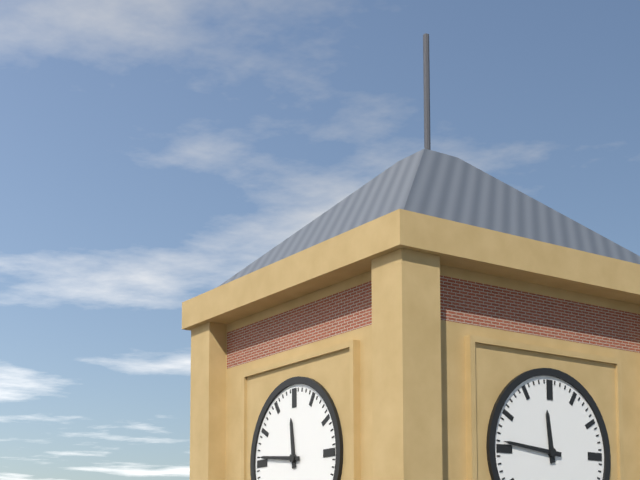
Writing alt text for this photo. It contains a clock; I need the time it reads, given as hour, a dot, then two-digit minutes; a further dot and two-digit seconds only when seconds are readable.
11.46
